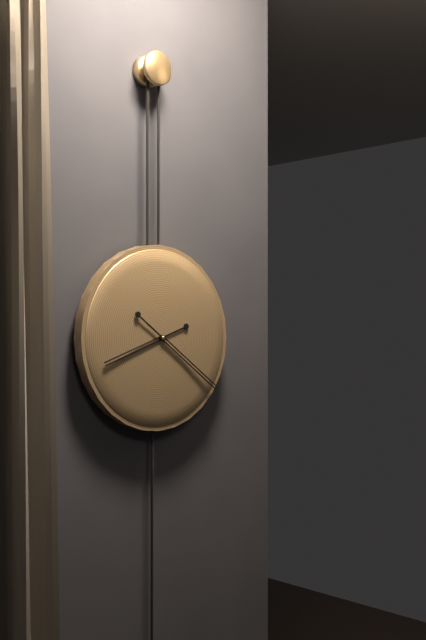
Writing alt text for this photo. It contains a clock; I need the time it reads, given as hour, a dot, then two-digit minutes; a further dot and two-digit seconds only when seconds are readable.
8.21
